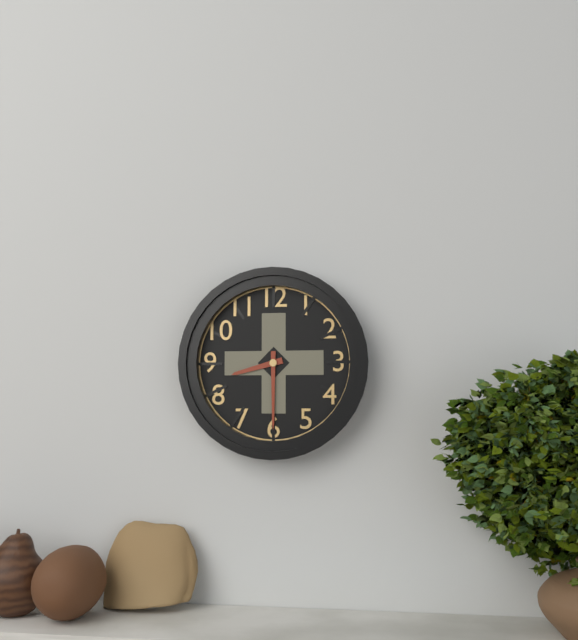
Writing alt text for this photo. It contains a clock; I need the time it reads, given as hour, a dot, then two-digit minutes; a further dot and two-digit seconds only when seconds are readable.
8.30
